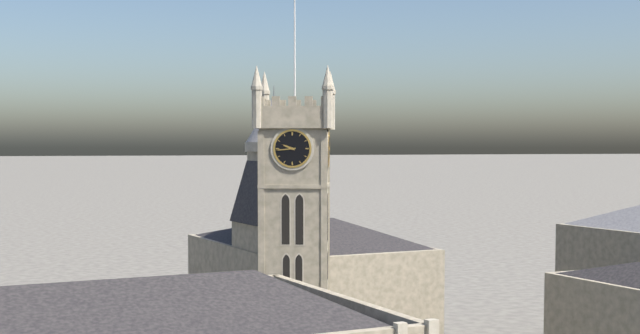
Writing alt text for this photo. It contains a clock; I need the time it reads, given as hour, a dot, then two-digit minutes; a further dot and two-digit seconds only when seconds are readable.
9.44
